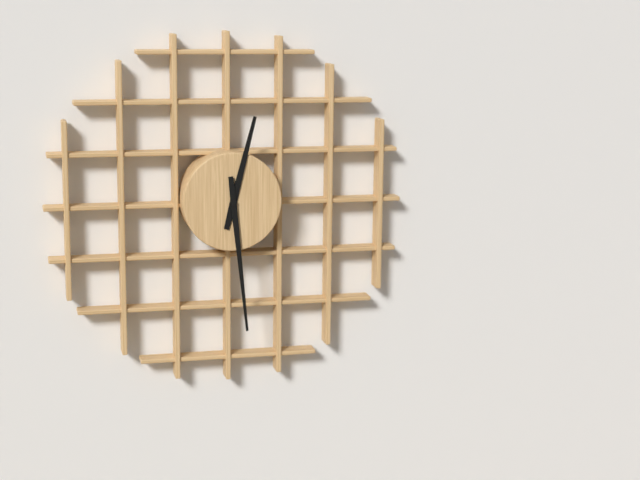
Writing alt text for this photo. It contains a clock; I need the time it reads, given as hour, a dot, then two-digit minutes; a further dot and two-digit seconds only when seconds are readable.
12.29
